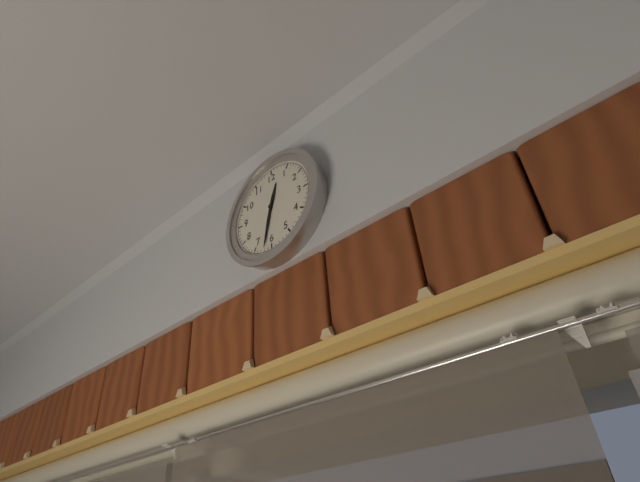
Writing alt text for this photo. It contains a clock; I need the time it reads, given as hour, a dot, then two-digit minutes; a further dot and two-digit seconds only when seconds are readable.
12.32
